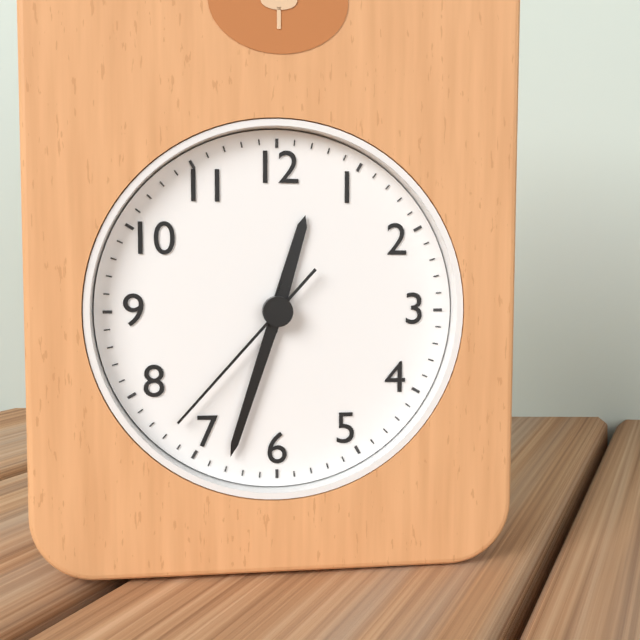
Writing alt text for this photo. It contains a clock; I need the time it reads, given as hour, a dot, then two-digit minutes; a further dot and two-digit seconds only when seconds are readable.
12.33.37
